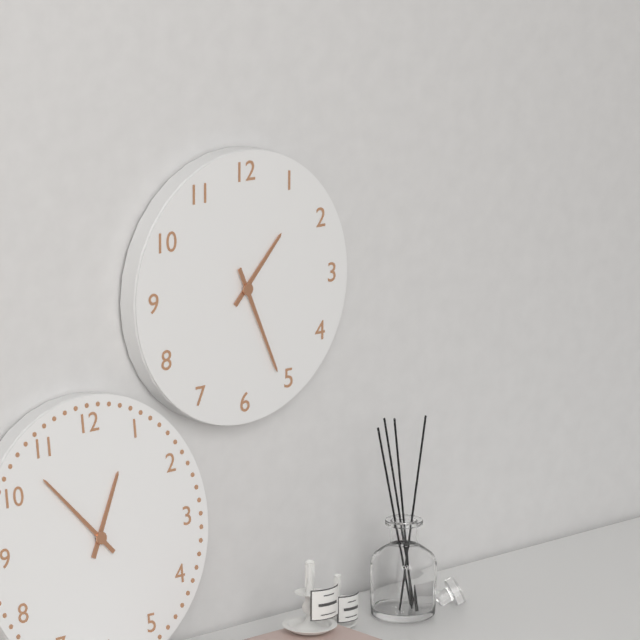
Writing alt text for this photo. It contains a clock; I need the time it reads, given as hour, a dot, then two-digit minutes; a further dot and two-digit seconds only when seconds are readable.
1.26
